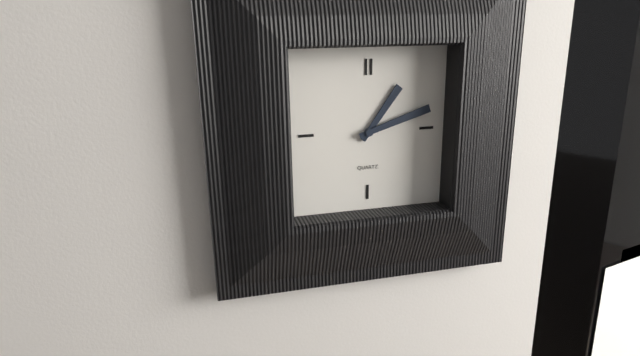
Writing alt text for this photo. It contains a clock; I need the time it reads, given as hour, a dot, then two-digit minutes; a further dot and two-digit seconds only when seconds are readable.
1.12
